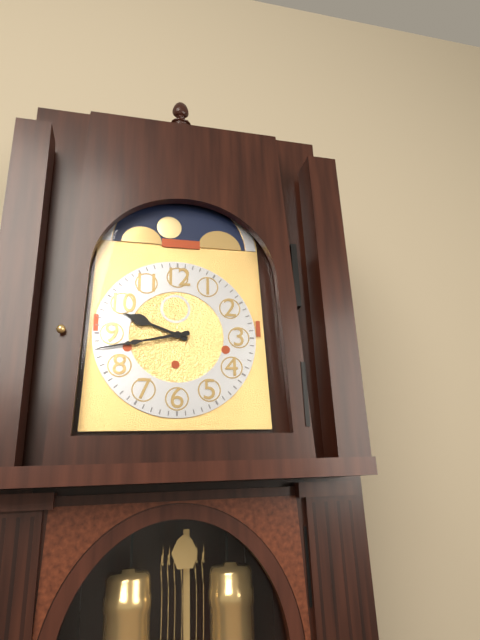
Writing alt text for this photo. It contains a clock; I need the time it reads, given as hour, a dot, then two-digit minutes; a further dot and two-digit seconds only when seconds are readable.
9.43
